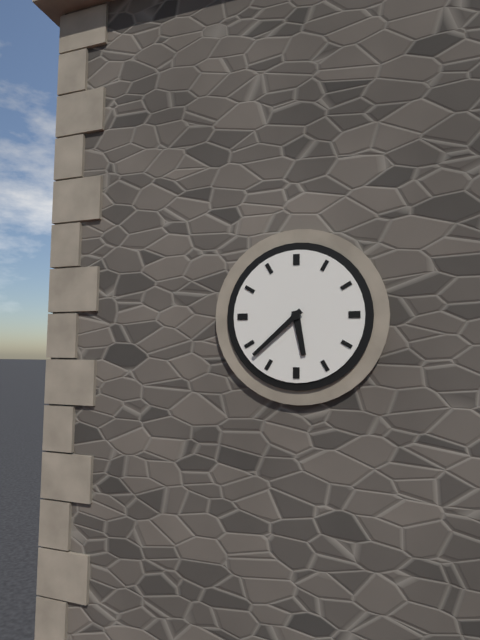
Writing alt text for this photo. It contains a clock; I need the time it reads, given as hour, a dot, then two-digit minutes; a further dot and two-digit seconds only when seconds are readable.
5.38
